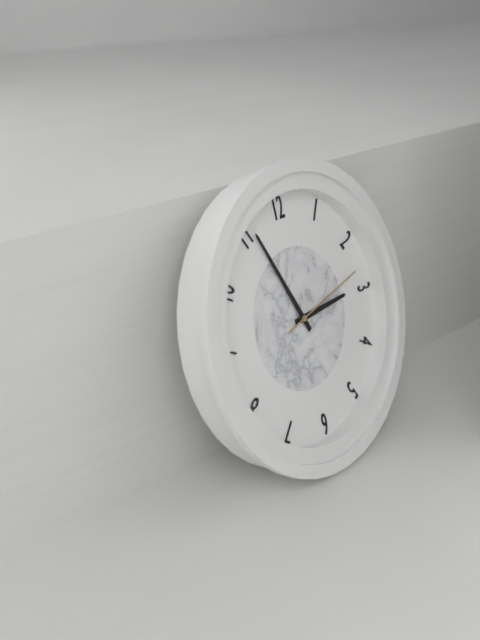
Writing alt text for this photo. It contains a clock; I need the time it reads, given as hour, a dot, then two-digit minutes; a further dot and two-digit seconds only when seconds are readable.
2.56.13
